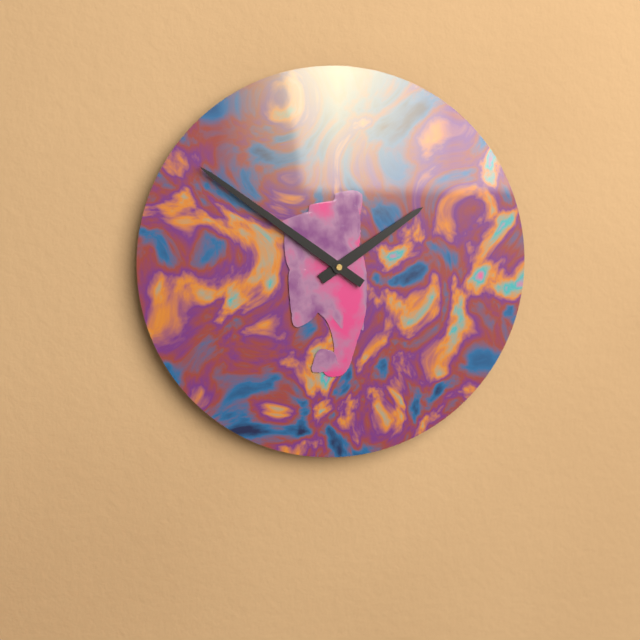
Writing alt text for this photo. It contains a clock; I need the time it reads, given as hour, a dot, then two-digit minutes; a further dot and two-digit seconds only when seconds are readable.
1.51
